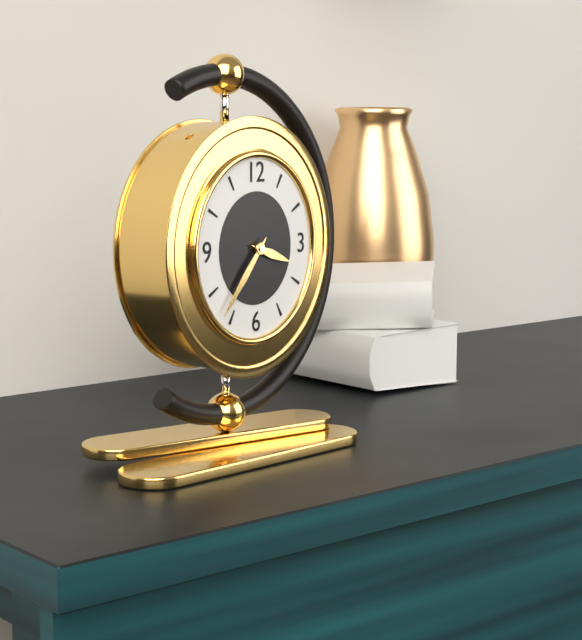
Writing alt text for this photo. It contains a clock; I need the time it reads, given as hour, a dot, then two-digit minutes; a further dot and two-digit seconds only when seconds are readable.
3.37
